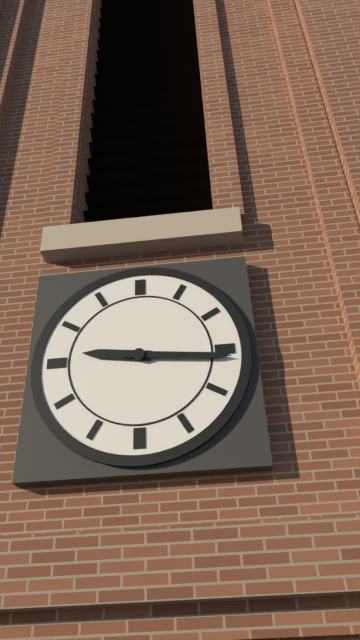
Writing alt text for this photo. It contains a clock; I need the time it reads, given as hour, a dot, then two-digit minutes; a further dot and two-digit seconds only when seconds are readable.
9.16
